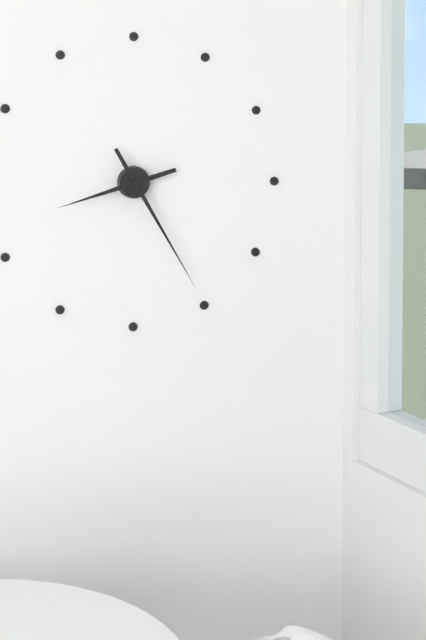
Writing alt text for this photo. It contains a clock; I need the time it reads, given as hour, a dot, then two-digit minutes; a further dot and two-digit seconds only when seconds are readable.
8.25
